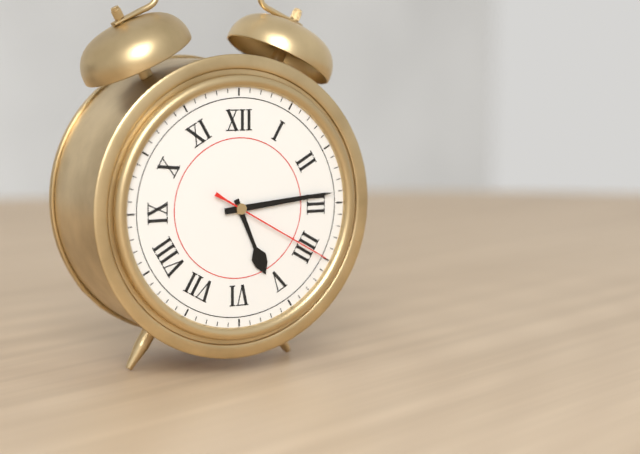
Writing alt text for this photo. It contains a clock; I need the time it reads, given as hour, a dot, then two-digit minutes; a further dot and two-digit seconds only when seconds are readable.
5.14.20
